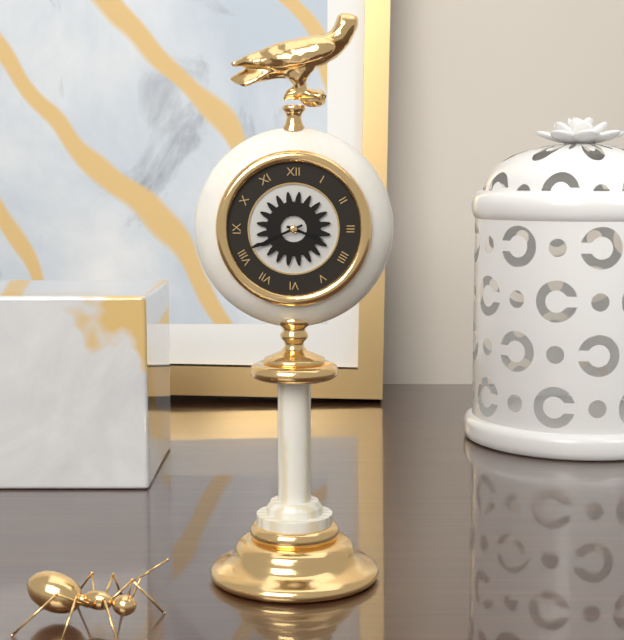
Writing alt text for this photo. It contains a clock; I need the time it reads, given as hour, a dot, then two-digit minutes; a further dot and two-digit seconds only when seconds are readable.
3.41
